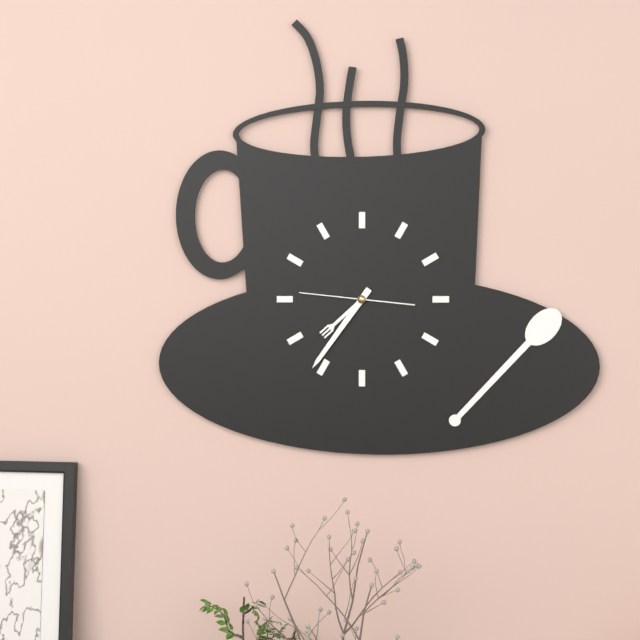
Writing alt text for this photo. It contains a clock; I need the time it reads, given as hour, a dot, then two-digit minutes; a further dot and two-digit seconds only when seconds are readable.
7.36.46
